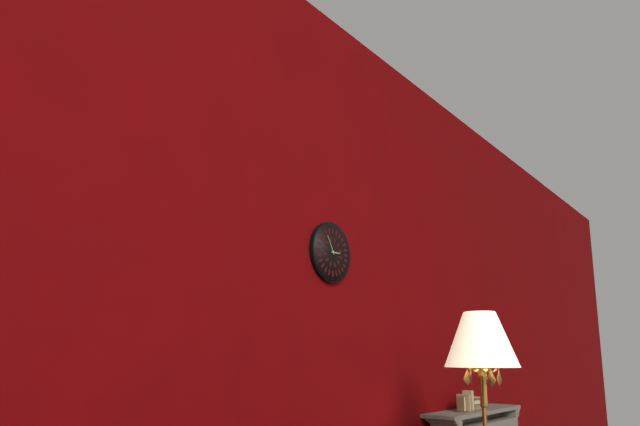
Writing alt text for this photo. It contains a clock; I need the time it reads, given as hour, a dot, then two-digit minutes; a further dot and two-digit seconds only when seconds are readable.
2.55
